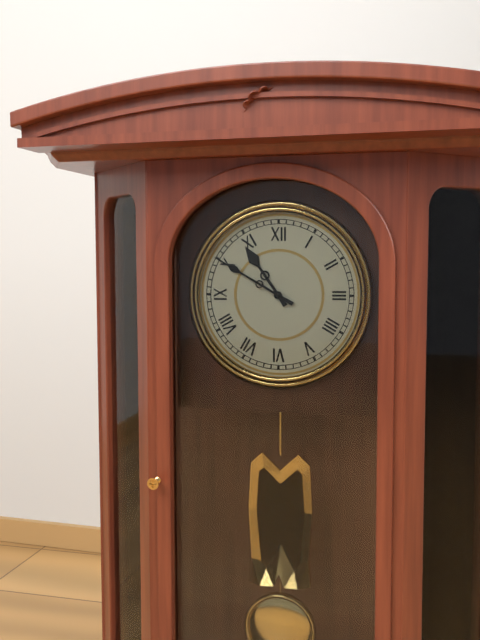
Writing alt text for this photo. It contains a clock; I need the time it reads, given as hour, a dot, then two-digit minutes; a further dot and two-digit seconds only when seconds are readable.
10.50
